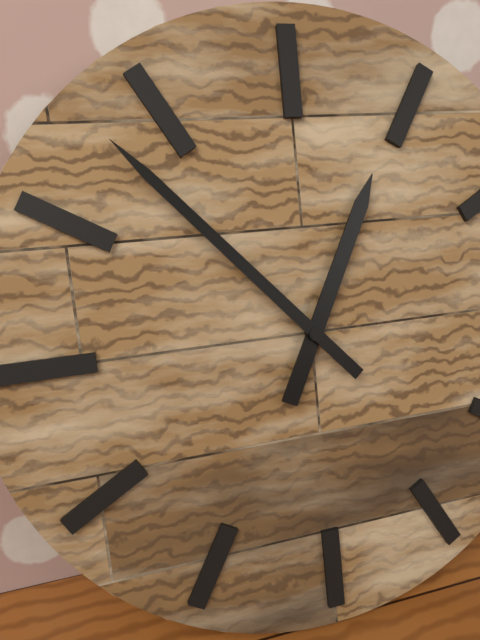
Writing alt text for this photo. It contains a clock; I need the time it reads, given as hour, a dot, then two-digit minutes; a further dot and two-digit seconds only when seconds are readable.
12.53
